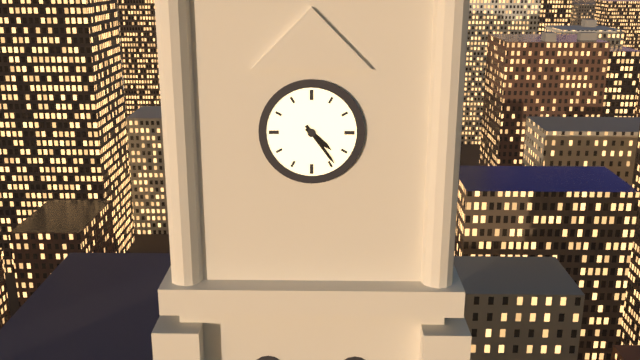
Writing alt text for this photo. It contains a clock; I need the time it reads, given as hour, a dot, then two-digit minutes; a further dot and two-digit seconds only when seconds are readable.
4.24
